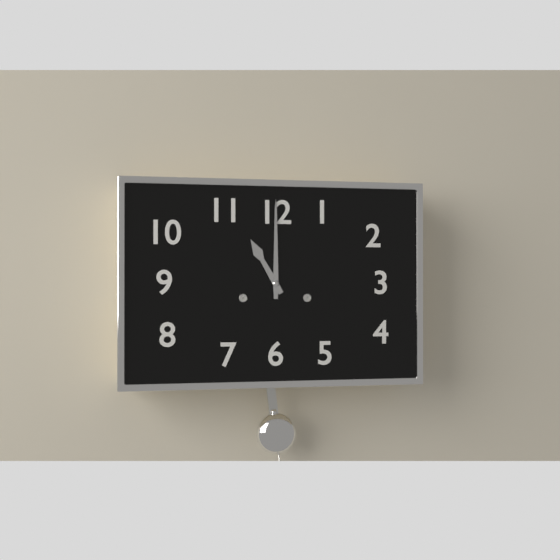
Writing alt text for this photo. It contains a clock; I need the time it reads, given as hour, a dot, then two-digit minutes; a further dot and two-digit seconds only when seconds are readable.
11.00
